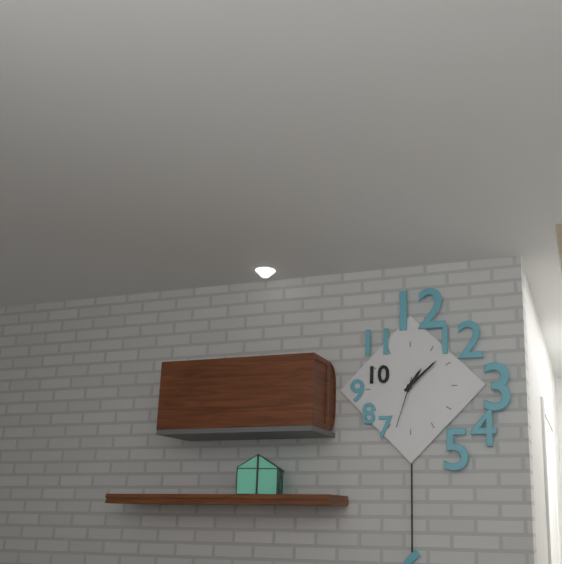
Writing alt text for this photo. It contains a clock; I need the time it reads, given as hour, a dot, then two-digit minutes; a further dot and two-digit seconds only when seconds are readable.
1.08.33
